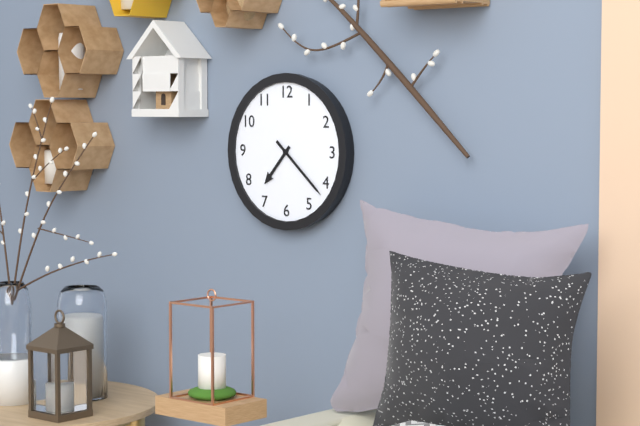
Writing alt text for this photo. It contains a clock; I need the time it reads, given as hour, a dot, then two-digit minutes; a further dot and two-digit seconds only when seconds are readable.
7.22
